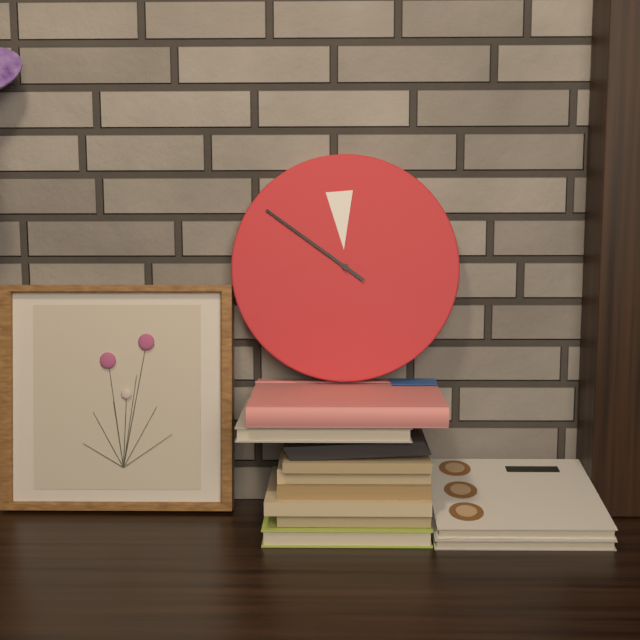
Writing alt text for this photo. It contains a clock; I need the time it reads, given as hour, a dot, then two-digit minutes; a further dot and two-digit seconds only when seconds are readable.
11.51
